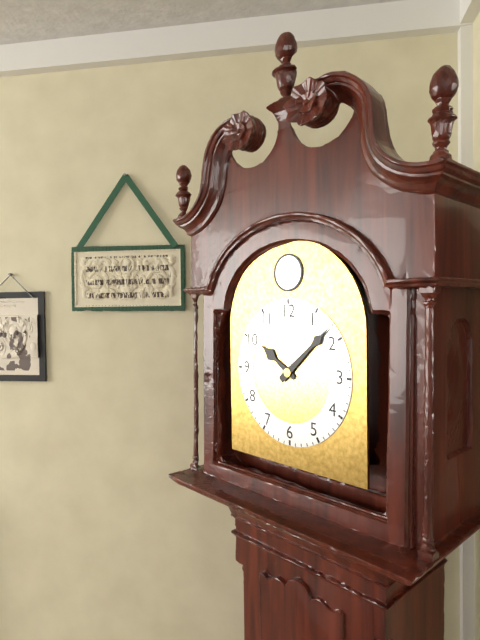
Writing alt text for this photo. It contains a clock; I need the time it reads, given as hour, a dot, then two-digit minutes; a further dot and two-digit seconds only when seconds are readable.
10.08
